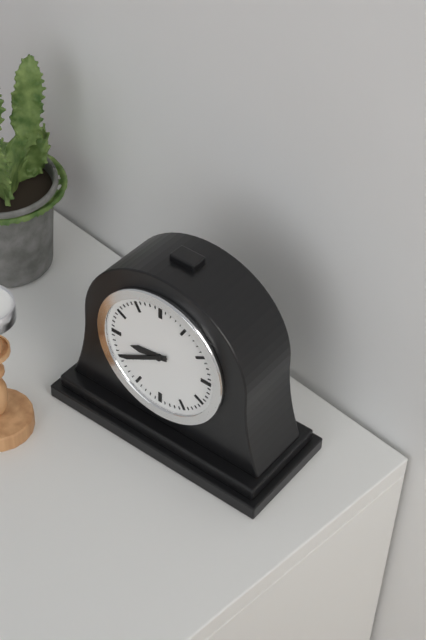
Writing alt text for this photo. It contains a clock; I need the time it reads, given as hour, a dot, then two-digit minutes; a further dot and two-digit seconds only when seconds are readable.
8.40
